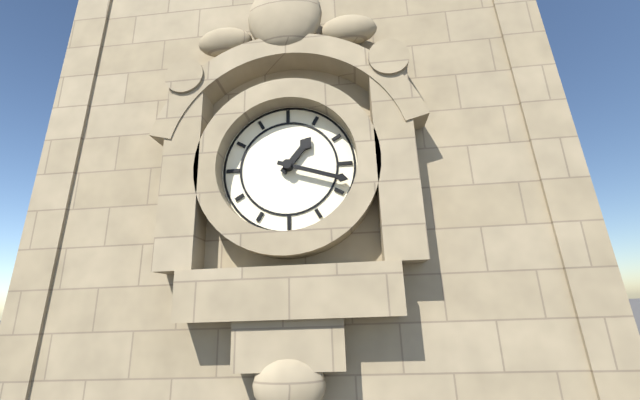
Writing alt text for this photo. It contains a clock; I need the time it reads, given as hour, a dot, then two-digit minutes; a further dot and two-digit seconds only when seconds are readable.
1.18
